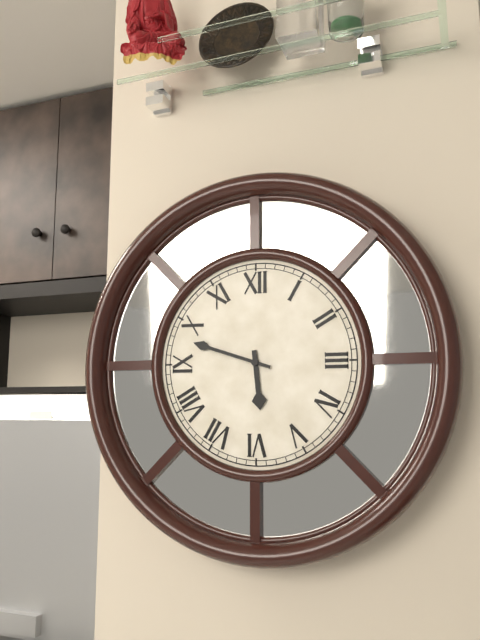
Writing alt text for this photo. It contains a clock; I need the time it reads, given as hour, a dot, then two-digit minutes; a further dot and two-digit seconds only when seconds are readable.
5.48
